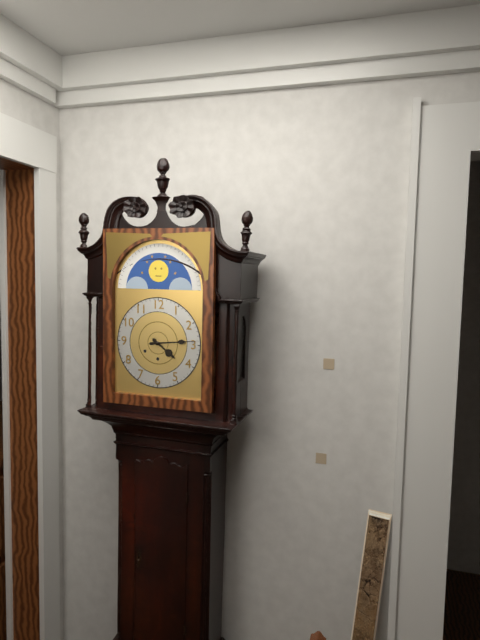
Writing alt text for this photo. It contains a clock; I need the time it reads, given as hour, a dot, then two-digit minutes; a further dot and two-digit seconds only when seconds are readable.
4.14
